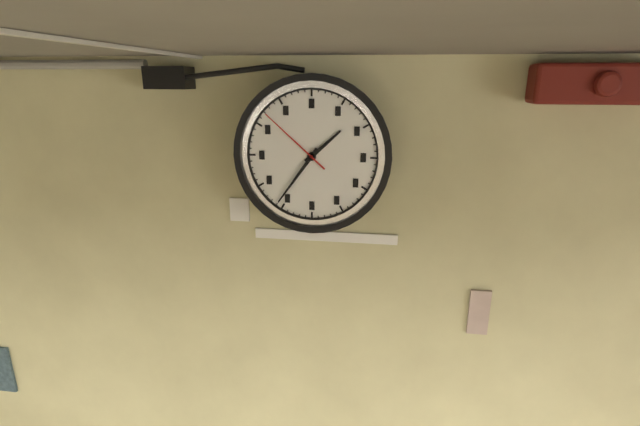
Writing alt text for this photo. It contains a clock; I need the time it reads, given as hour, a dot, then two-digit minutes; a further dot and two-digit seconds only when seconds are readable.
1.36.52
